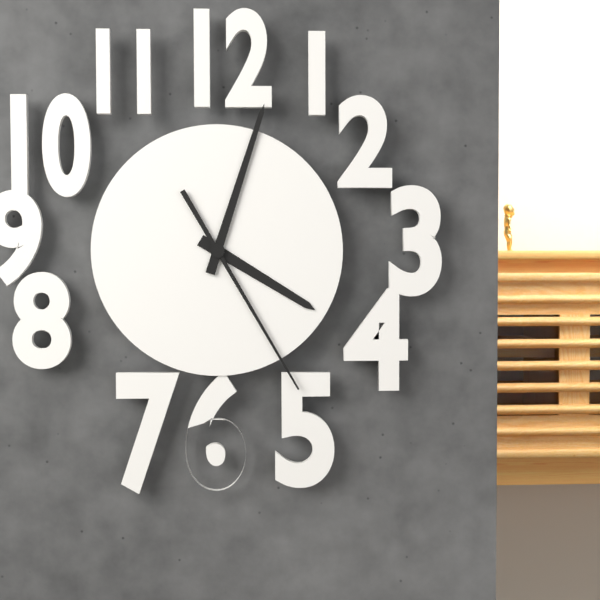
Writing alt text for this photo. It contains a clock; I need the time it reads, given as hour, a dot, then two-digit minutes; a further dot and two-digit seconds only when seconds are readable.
4.03.25
